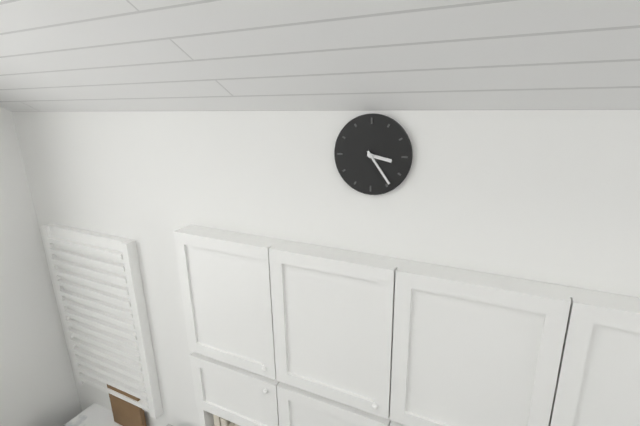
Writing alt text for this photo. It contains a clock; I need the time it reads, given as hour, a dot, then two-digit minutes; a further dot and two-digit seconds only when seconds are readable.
3.24
